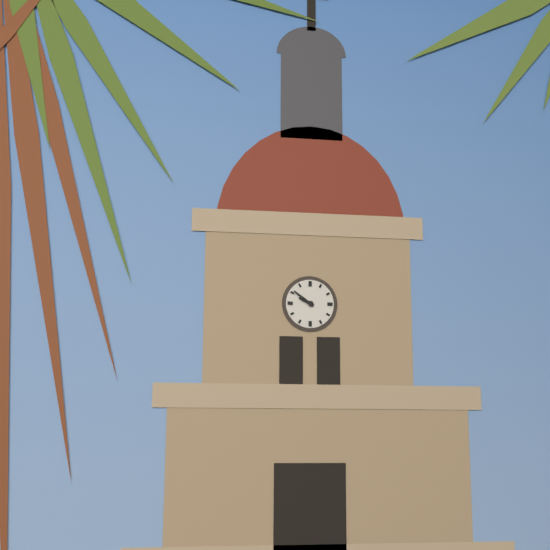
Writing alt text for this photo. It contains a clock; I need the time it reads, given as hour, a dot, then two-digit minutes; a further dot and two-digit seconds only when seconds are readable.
9.51
